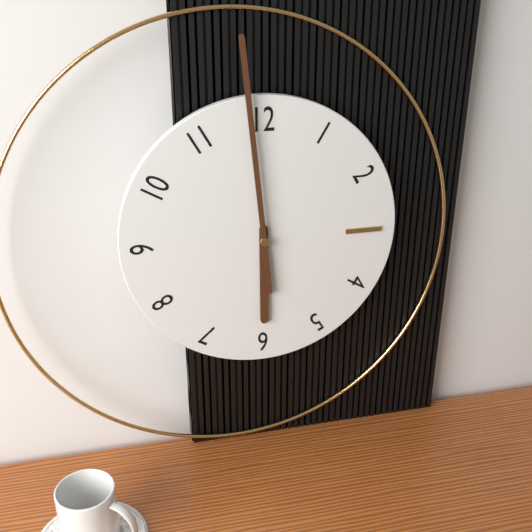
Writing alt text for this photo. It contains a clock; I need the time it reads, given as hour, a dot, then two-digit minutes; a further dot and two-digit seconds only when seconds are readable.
5.59
